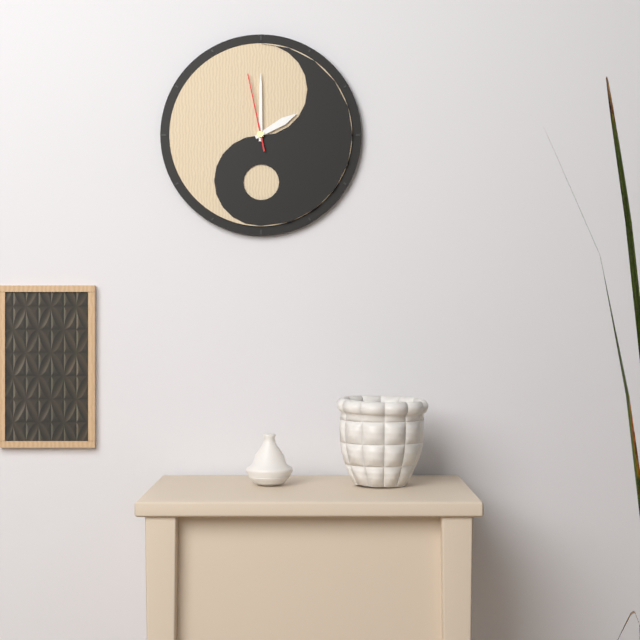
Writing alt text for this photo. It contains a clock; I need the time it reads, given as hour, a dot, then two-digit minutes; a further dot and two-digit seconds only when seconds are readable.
2.00.58
